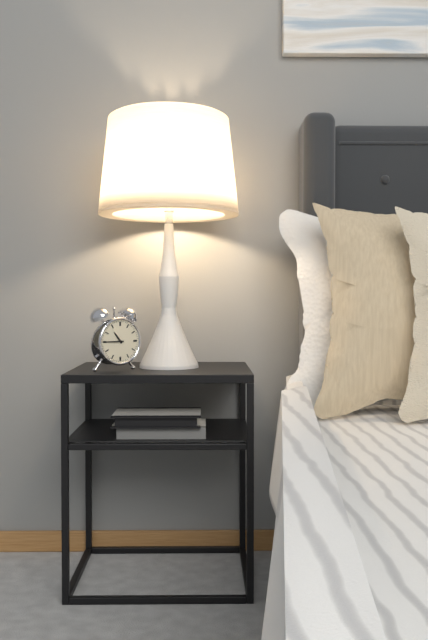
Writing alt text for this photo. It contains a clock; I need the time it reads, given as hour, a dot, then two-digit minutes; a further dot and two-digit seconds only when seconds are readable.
10.45
